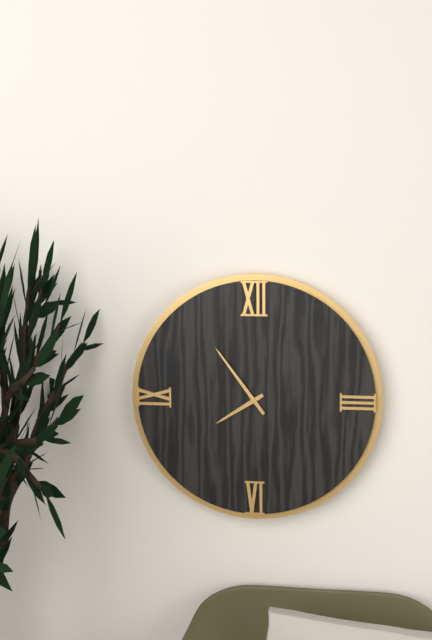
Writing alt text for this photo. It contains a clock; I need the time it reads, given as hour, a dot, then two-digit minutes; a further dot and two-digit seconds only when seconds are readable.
7.54
